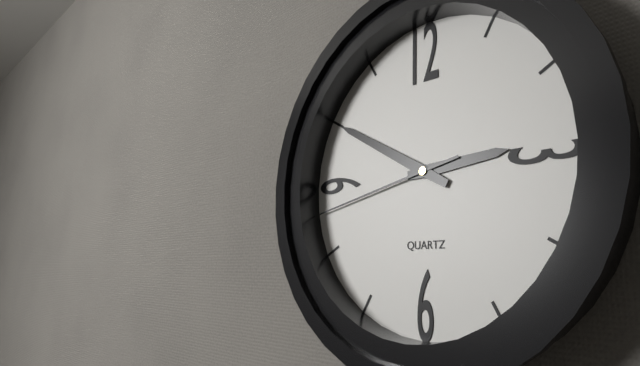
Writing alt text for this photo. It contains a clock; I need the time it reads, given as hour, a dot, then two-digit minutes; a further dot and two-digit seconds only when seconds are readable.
2.50.43
